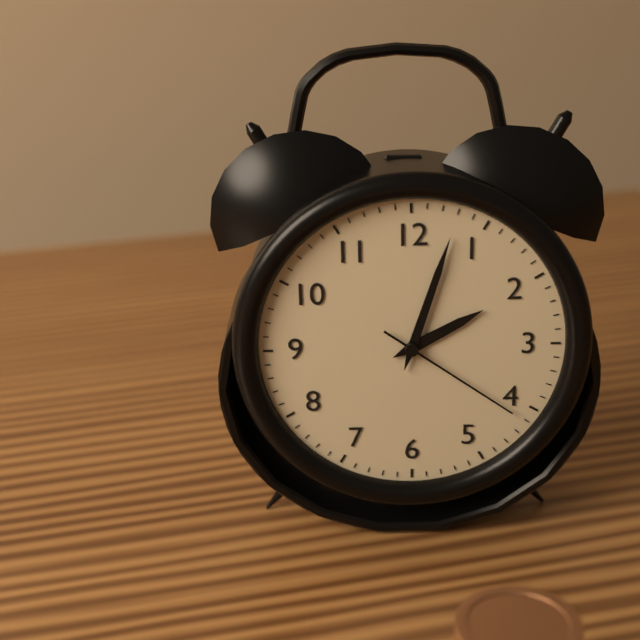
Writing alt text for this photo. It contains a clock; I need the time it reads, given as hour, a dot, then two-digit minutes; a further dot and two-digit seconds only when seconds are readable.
2.03.21
